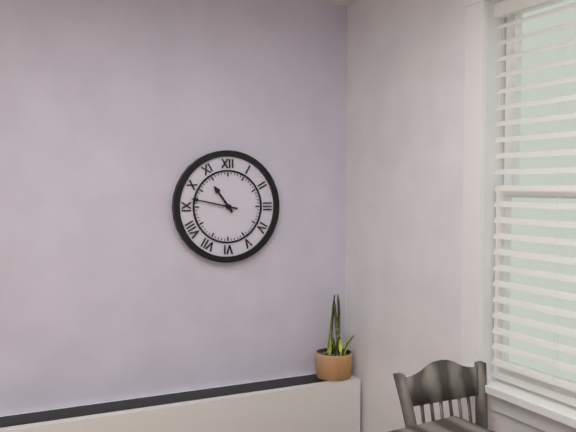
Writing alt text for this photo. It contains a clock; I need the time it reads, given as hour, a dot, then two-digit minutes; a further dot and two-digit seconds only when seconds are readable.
10.47
